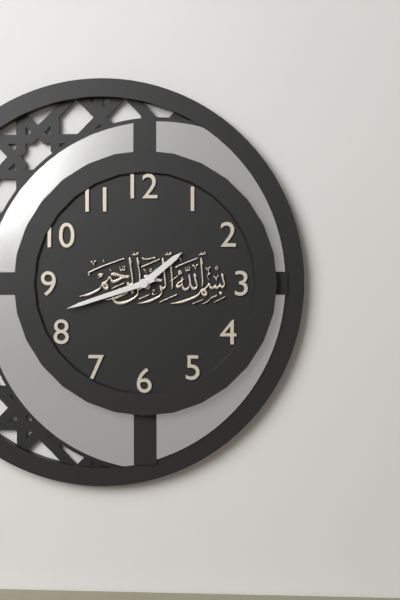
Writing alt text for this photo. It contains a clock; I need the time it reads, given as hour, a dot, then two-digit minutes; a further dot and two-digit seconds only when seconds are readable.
1.42
